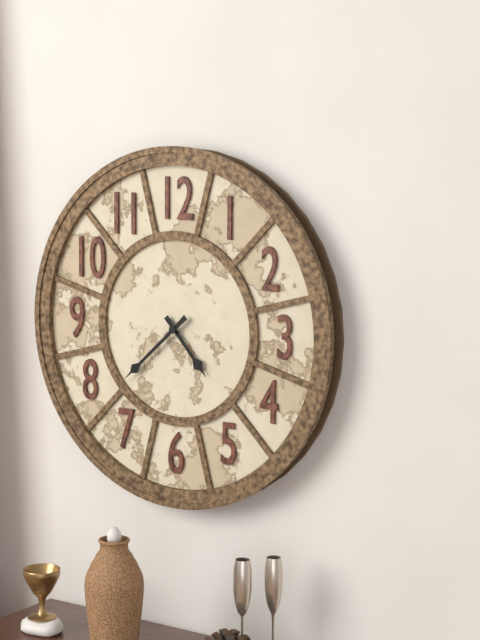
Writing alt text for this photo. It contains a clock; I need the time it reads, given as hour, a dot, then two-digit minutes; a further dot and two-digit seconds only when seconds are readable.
4.38
